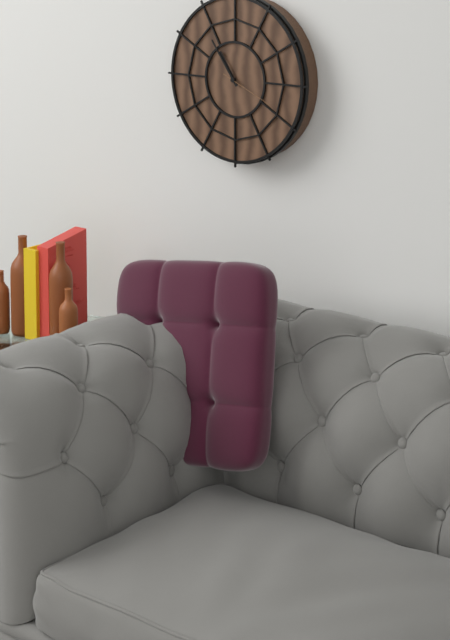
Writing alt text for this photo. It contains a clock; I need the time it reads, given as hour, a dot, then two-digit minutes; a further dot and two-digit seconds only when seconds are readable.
10.54.19
